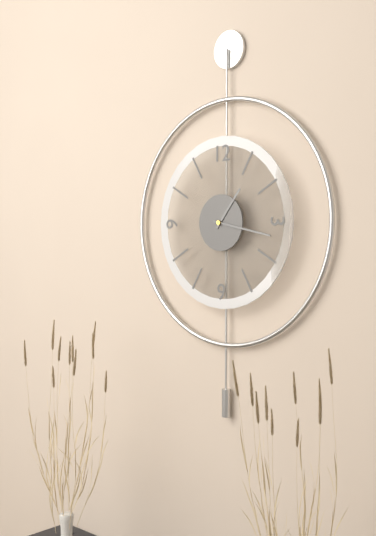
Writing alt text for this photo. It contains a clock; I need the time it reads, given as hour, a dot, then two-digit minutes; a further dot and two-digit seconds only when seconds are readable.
1.17
